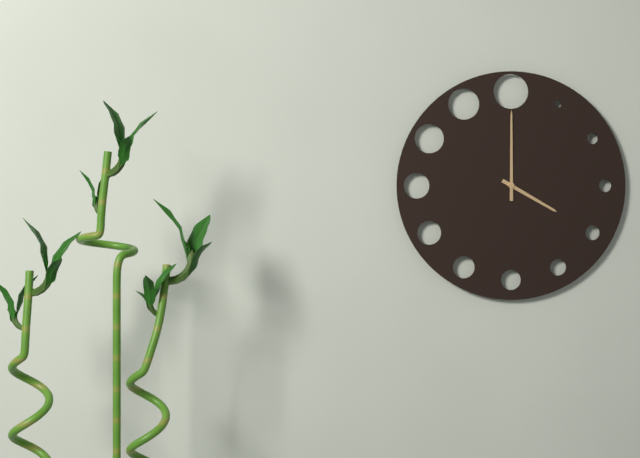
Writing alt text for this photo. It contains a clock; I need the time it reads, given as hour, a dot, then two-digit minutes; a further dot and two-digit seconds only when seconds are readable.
4.00
